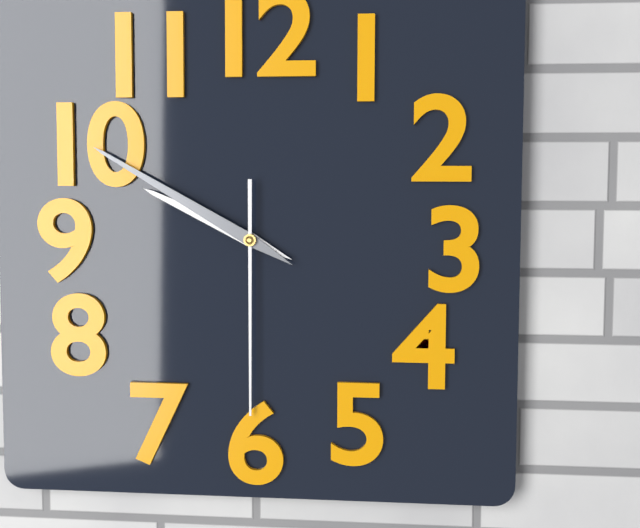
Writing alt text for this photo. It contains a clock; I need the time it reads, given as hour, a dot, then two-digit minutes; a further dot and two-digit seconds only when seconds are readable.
9.50.30
